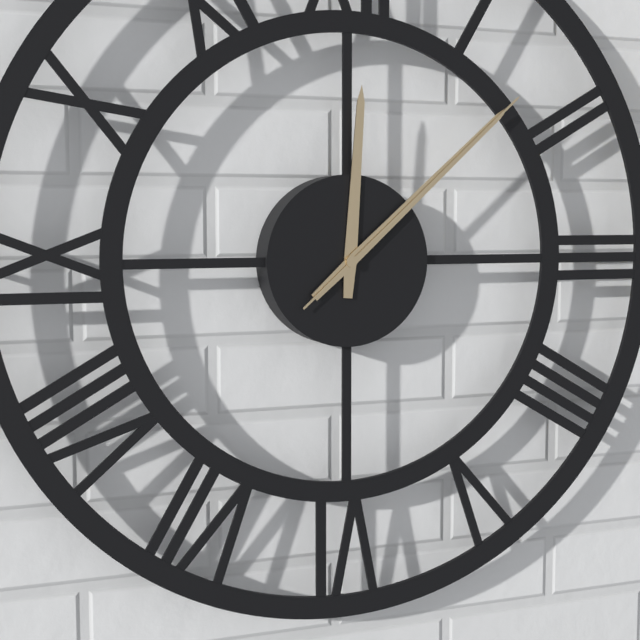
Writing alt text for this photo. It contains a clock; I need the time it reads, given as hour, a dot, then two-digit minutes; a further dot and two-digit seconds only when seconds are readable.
12.08.08
